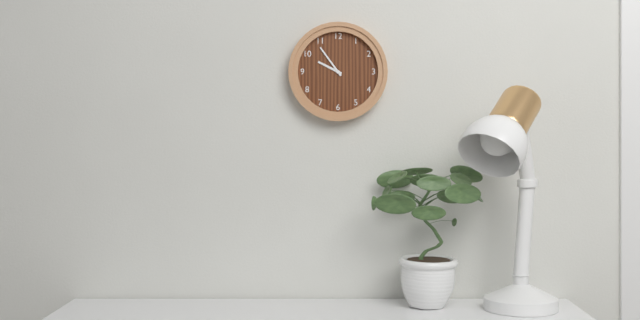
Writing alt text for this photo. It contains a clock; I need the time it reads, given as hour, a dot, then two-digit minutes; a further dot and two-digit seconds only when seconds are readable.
9.54
